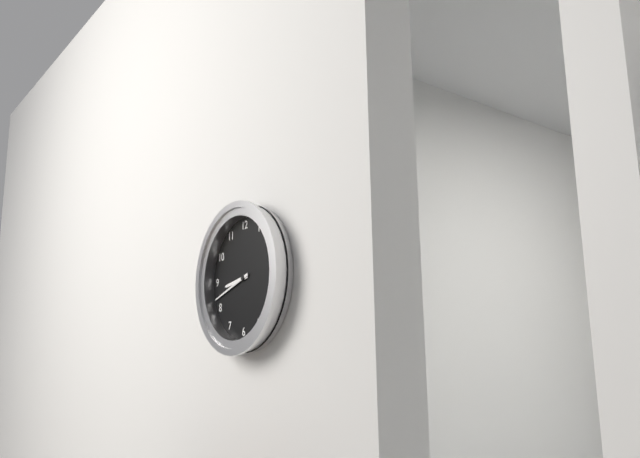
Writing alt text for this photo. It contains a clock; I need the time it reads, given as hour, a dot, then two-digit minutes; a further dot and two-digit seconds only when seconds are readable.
8.42
